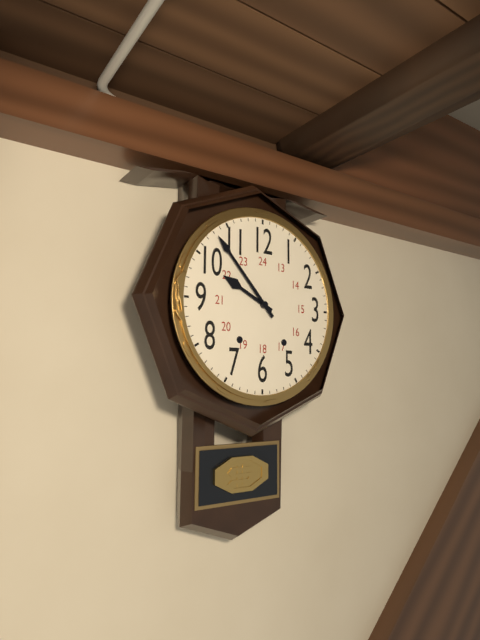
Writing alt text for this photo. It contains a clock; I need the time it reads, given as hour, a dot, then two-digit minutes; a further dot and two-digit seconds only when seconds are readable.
9.53
